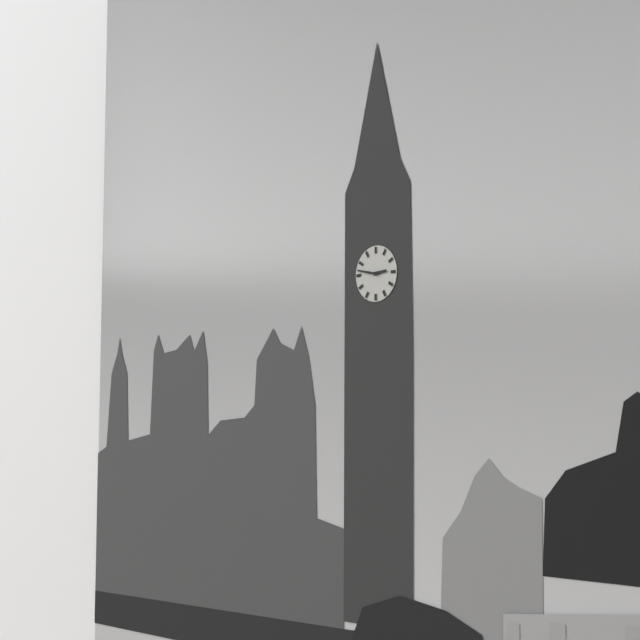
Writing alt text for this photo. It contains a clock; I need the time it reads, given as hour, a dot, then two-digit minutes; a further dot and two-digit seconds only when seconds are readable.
2.47
